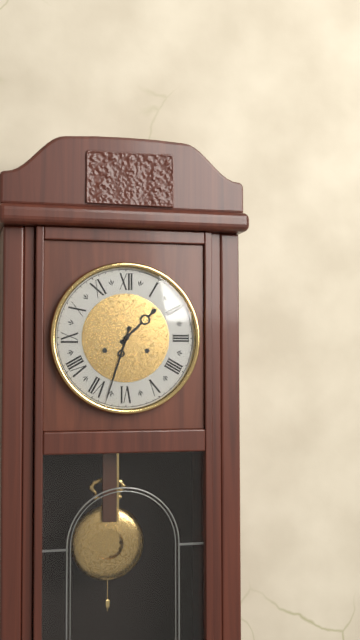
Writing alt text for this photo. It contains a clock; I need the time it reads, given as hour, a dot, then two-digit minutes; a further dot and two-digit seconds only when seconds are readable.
1.33
